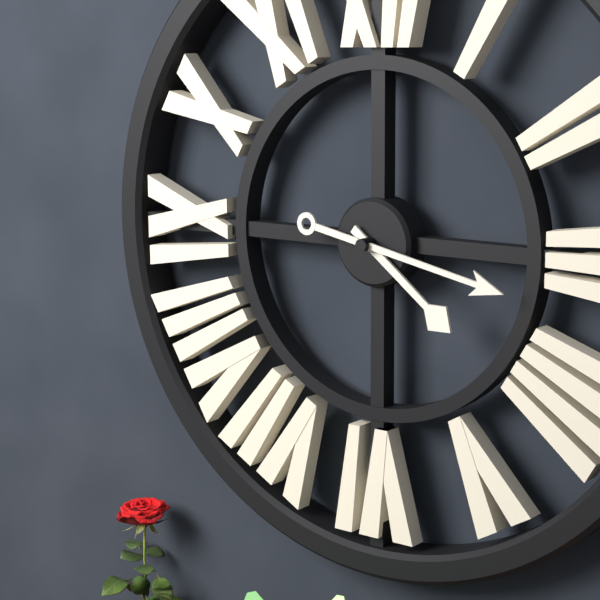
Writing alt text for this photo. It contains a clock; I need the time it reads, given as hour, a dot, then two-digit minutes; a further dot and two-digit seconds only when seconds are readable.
4.17
